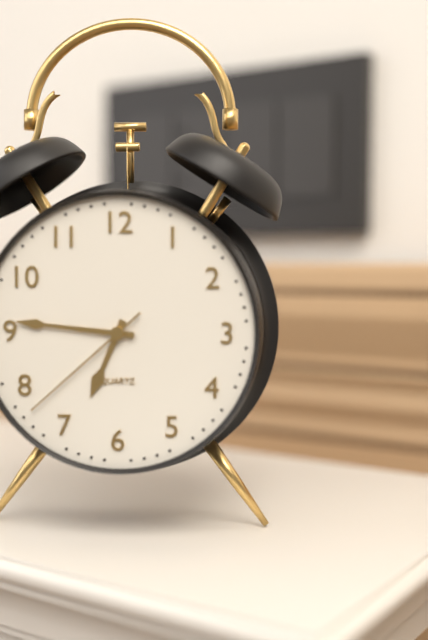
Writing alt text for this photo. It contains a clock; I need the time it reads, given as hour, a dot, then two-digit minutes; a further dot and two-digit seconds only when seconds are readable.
6.46.38
